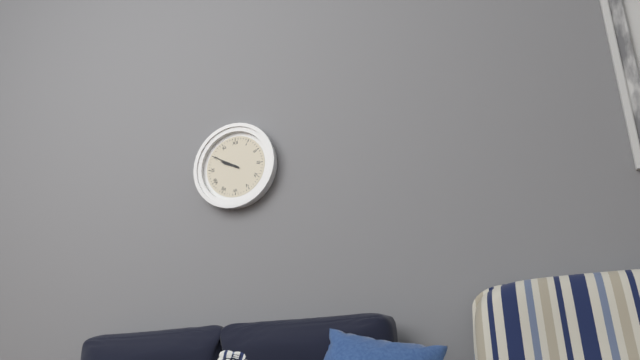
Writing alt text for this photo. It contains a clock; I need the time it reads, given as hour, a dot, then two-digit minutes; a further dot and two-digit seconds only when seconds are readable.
9.50
